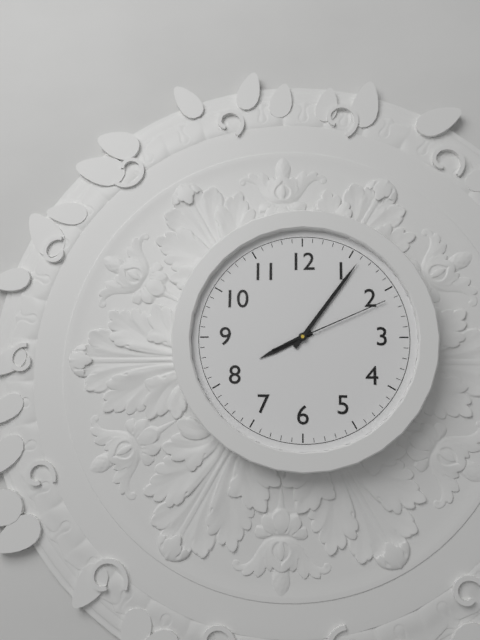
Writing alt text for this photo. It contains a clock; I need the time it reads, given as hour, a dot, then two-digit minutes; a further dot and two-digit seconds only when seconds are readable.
8.06.11
